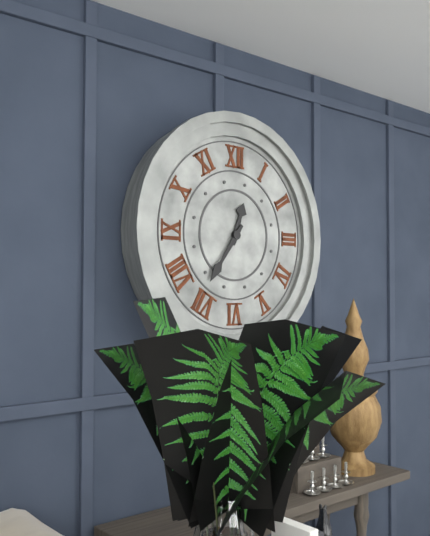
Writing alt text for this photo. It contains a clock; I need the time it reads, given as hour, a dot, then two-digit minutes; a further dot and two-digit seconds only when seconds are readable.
12.36
